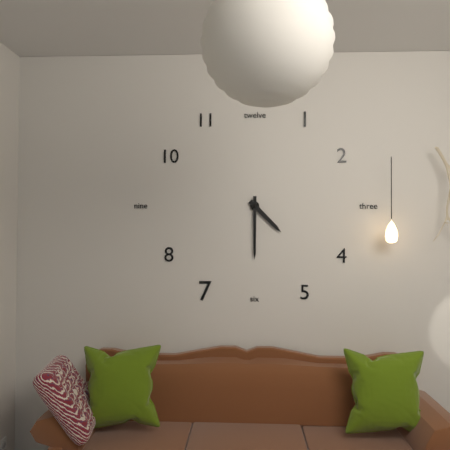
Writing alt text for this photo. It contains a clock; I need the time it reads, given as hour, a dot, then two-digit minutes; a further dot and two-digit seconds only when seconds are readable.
4.30
